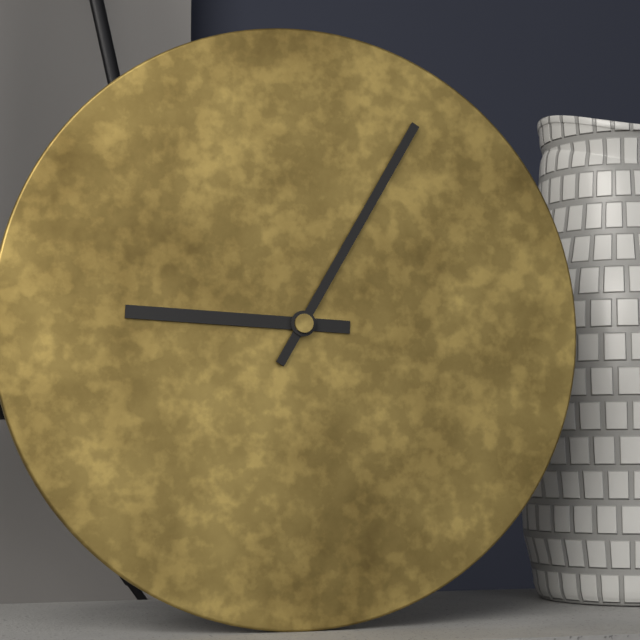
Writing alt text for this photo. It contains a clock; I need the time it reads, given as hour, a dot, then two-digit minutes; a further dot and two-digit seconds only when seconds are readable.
9.05
